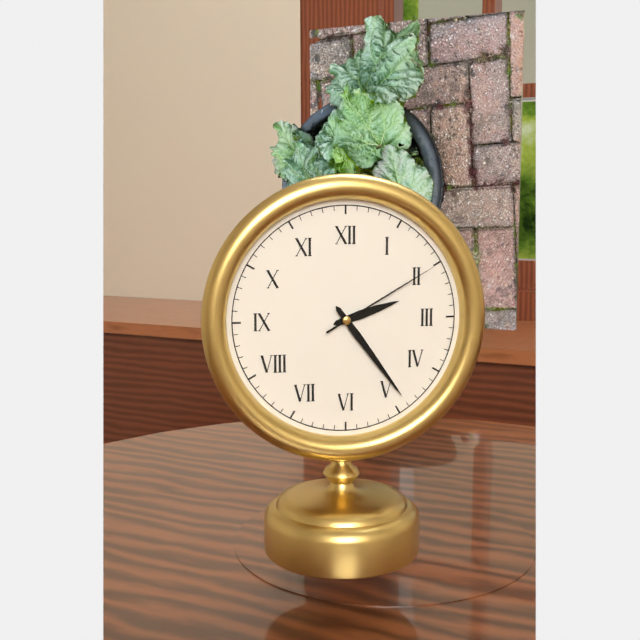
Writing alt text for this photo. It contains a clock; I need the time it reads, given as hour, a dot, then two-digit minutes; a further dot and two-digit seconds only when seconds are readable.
2.24.10
